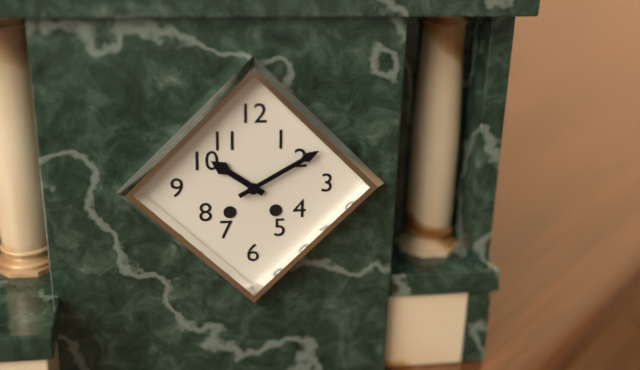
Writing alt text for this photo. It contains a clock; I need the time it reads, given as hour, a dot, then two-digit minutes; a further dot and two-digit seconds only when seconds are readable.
10.10
